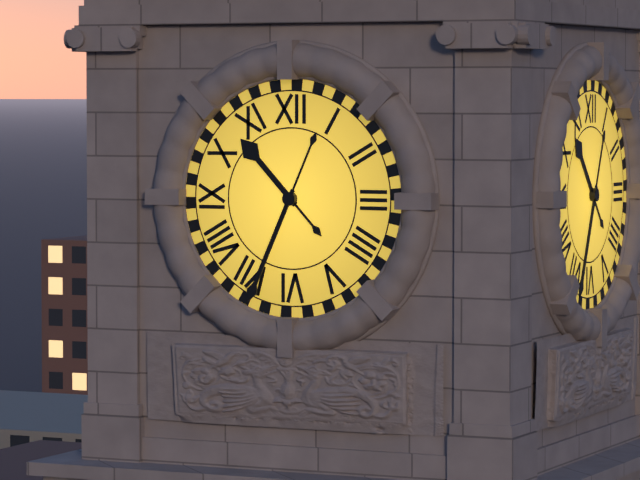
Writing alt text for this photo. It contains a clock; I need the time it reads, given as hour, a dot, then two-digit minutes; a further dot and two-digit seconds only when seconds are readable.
10.34
